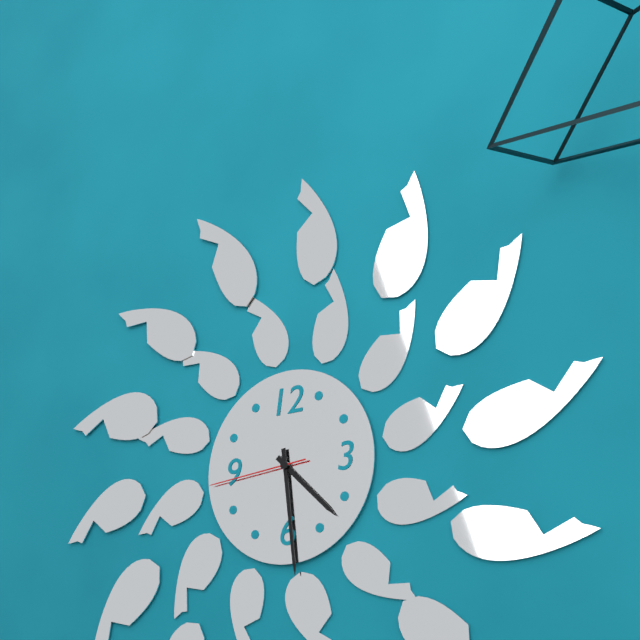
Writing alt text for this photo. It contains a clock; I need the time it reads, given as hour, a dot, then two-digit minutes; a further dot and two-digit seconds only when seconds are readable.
4.29.44
